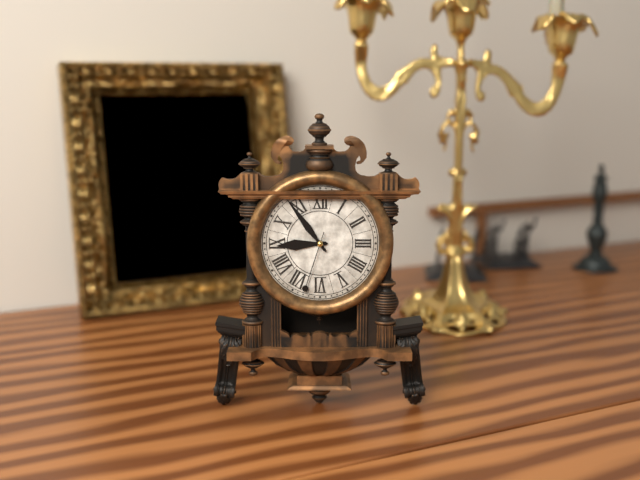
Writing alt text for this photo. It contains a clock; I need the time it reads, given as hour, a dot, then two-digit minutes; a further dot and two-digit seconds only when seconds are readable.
8.54.33
